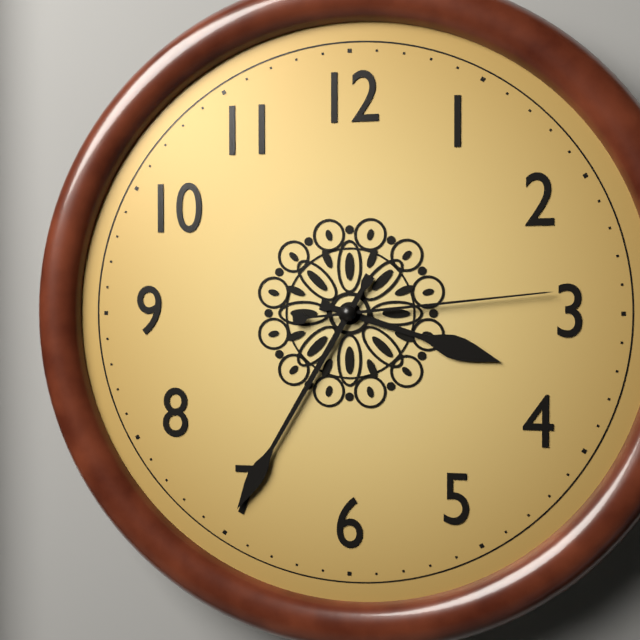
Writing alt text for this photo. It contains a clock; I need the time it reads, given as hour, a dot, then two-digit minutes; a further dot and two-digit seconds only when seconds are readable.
3.35.14
